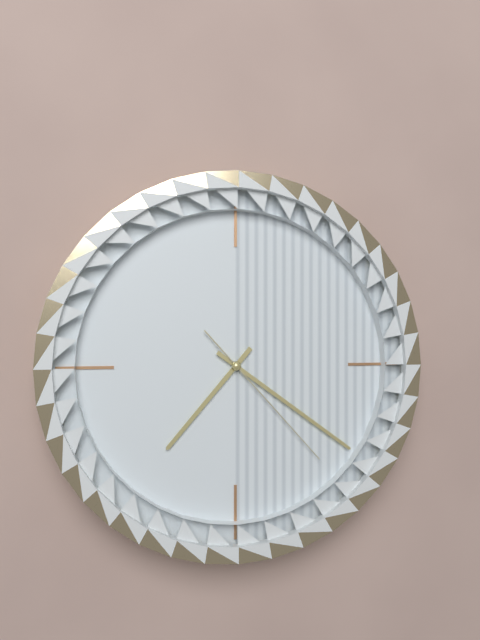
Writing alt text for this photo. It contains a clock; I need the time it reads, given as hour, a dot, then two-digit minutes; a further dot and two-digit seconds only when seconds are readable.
7.21.23
